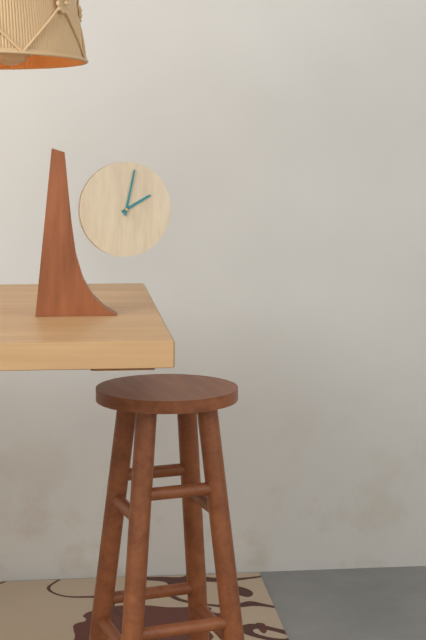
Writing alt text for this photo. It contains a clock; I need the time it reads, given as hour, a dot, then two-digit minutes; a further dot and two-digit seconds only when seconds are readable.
2.02
